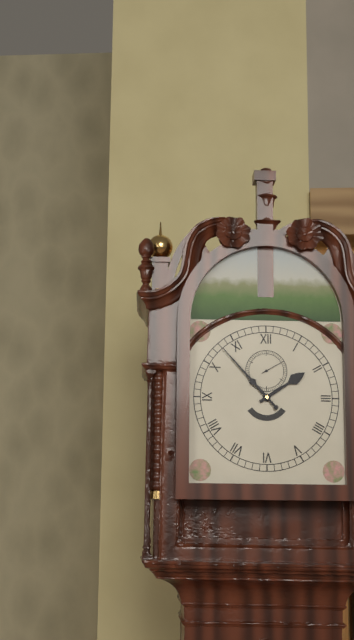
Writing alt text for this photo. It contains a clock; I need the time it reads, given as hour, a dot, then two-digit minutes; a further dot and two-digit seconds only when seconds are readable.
1.53
